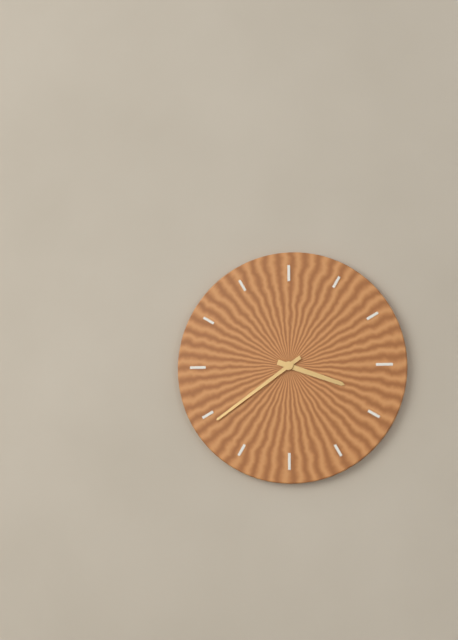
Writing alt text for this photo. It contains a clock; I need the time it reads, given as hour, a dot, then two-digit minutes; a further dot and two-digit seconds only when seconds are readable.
3.39
